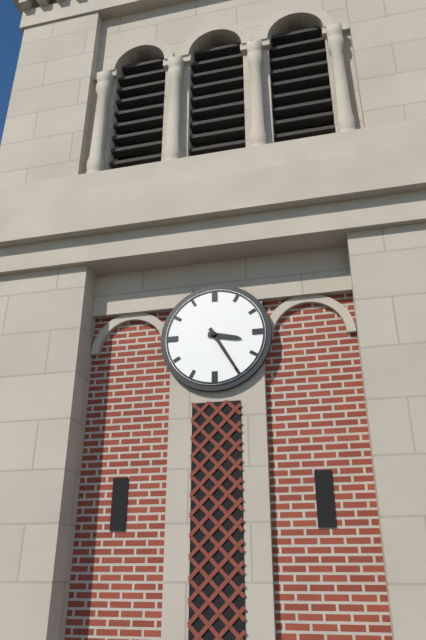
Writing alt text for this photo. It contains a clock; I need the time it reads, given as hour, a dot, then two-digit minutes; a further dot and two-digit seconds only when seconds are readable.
3.25
